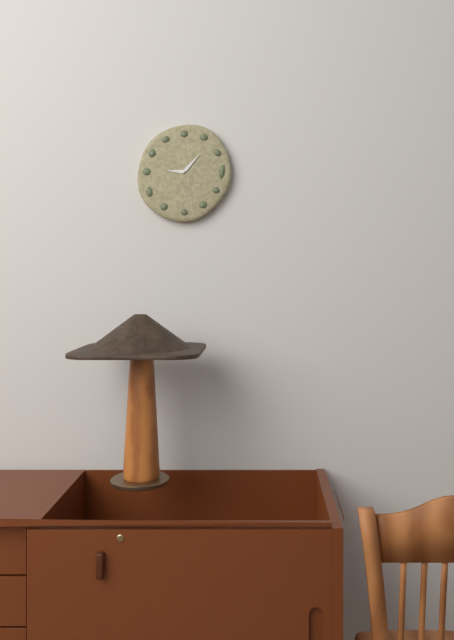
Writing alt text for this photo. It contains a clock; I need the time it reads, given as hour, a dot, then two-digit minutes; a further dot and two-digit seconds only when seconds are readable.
9.07
